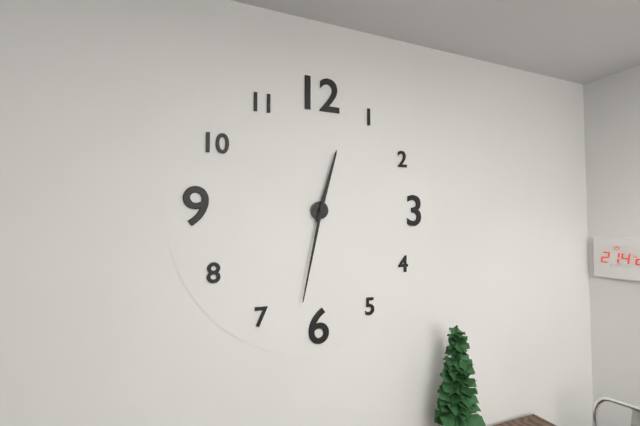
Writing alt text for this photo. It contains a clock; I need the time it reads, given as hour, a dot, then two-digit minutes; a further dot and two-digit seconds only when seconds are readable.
12.32
